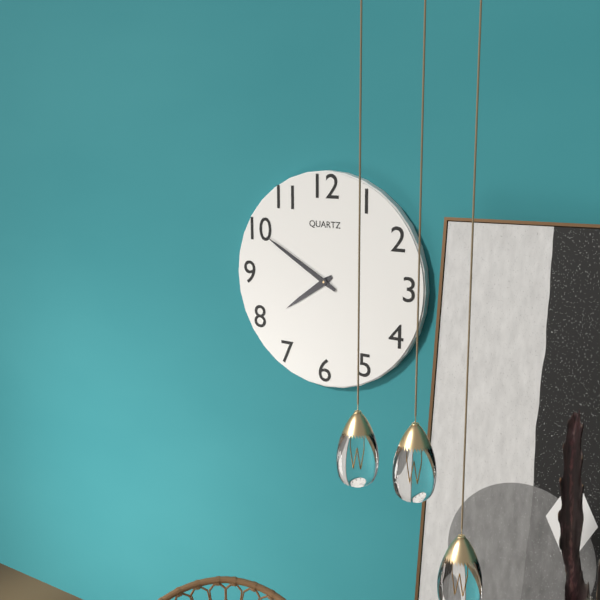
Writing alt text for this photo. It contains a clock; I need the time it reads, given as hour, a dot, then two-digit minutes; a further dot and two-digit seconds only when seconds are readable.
7.50
